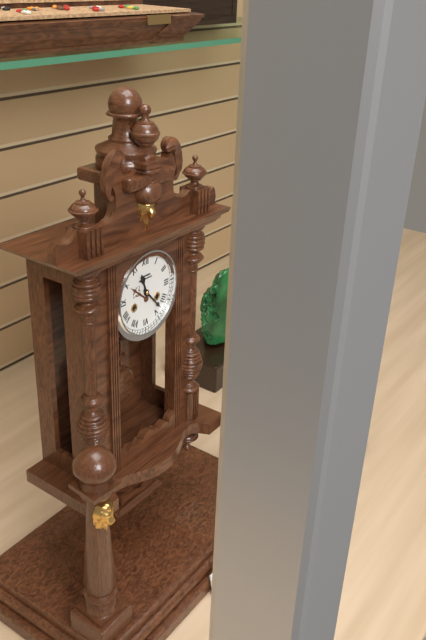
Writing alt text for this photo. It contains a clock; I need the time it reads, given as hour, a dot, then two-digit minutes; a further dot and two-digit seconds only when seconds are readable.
11.23
